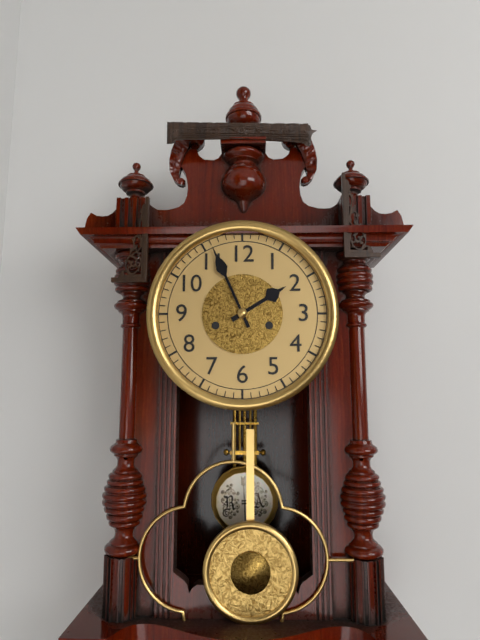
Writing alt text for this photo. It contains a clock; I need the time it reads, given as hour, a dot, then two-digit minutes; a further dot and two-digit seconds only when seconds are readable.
1.56
